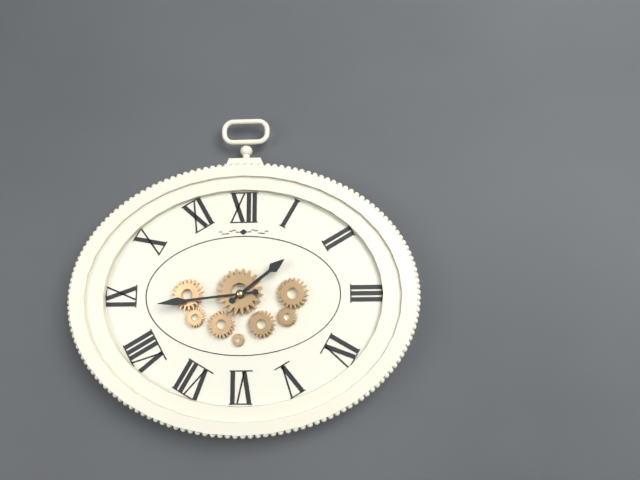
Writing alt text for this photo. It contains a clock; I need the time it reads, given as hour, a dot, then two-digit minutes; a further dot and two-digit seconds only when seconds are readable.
1.44
